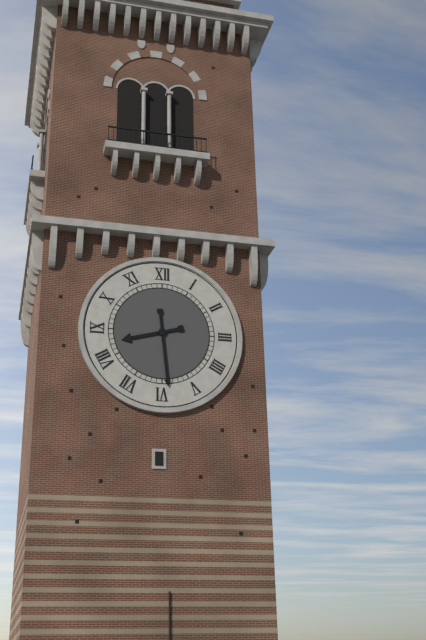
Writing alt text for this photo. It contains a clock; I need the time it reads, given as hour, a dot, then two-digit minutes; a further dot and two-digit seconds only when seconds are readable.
8.29
